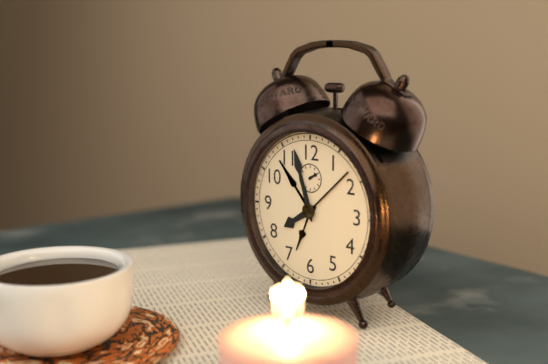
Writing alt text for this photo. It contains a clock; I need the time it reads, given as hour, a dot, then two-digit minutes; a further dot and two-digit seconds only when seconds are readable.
7.57
